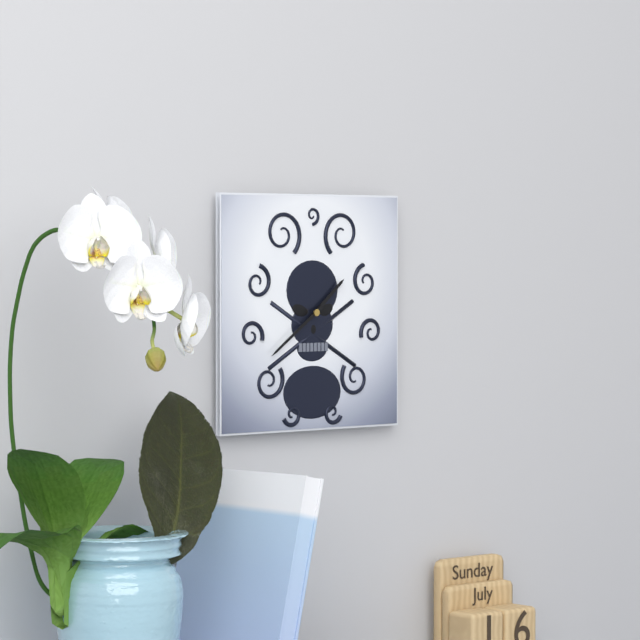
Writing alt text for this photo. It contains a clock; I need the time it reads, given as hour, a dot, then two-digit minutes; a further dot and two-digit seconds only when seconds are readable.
1.39
